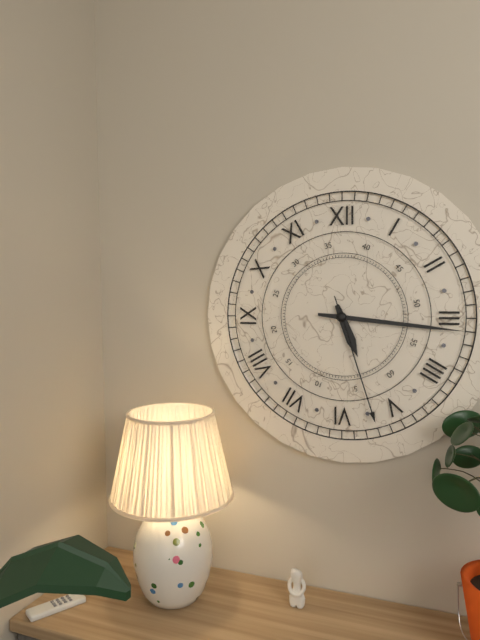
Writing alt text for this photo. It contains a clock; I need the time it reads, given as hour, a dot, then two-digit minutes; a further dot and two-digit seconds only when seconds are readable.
5.16.27
